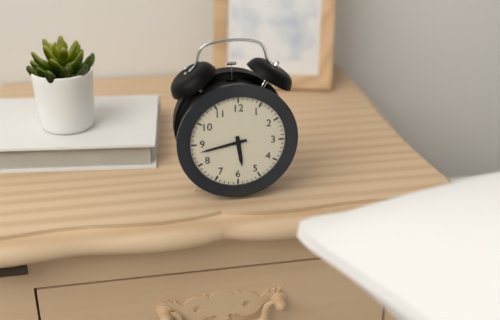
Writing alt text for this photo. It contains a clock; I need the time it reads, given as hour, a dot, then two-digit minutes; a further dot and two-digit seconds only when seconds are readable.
5.43
